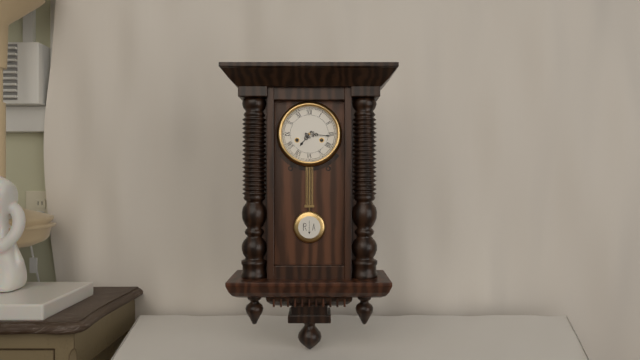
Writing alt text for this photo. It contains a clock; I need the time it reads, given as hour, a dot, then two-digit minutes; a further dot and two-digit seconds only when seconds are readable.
7.16
